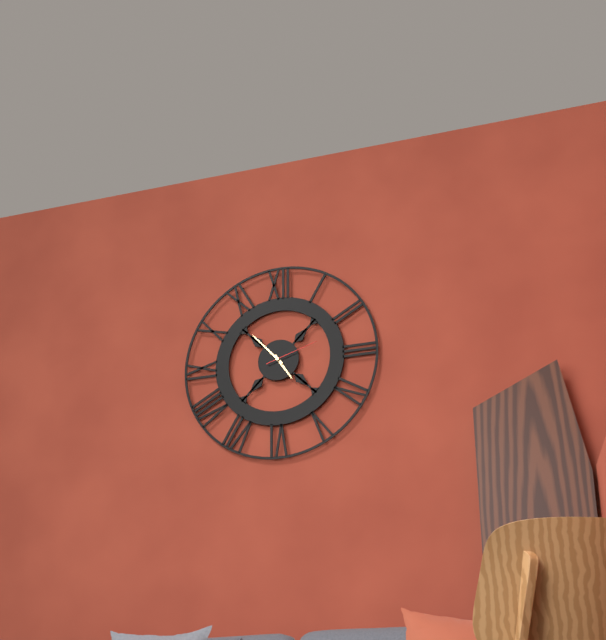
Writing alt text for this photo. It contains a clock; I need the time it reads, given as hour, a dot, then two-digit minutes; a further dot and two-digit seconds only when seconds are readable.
4.53.12
